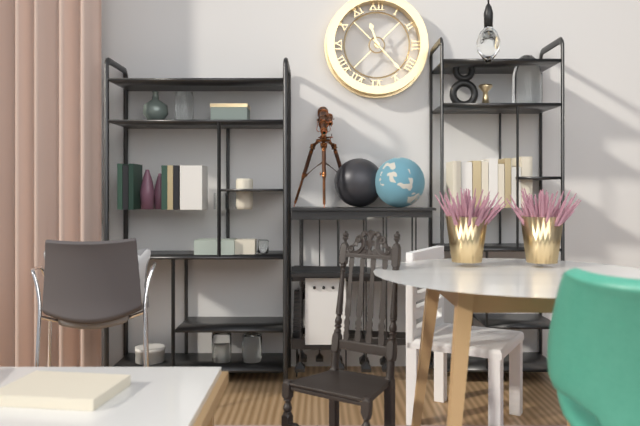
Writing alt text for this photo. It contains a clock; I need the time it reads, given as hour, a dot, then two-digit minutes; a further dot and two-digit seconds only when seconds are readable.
11.23
